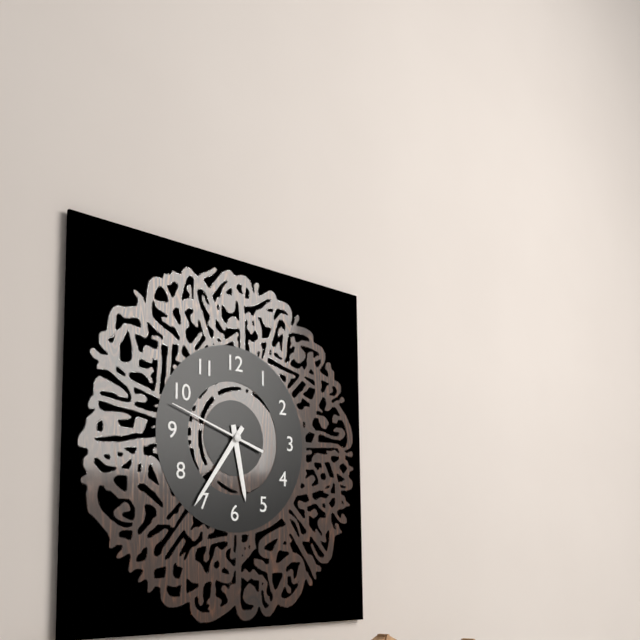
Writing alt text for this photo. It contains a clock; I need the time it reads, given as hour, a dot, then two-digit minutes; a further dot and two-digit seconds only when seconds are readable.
5.36.48
